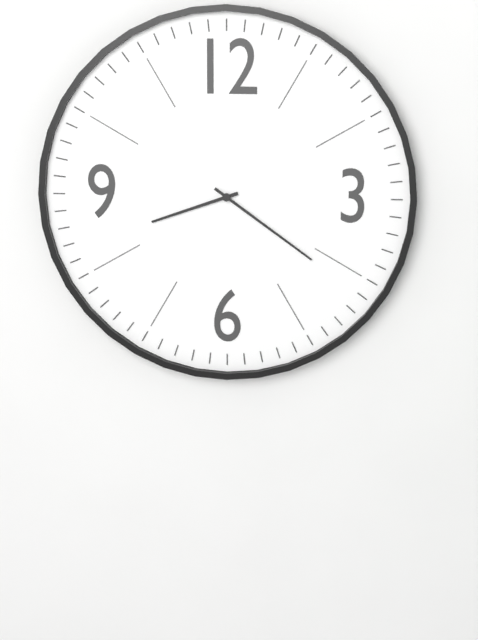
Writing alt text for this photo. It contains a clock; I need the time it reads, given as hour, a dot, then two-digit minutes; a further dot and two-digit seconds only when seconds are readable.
8.21
